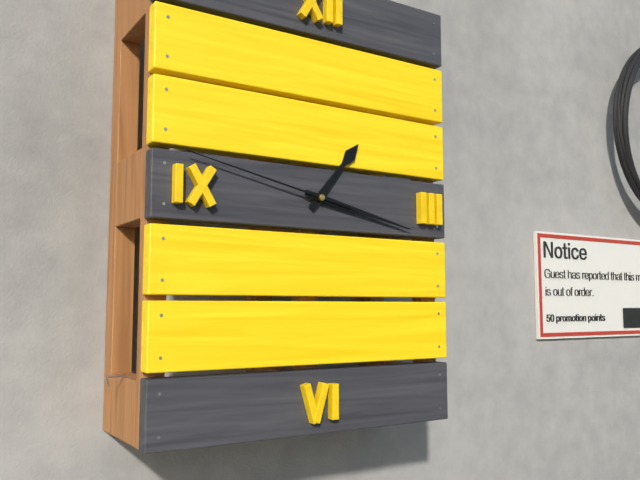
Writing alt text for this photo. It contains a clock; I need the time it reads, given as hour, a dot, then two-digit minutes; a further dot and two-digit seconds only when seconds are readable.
1.17.47
